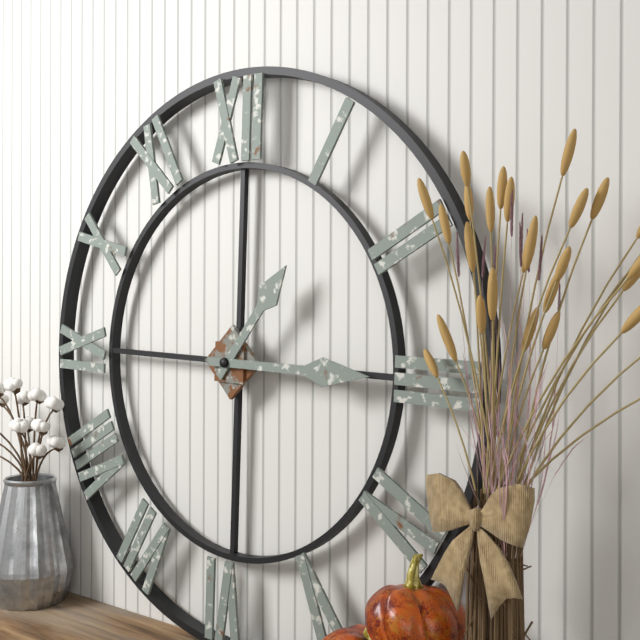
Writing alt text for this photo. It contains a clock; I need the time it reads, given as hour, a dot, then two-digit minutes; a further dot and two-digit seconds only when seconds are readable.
1.15
